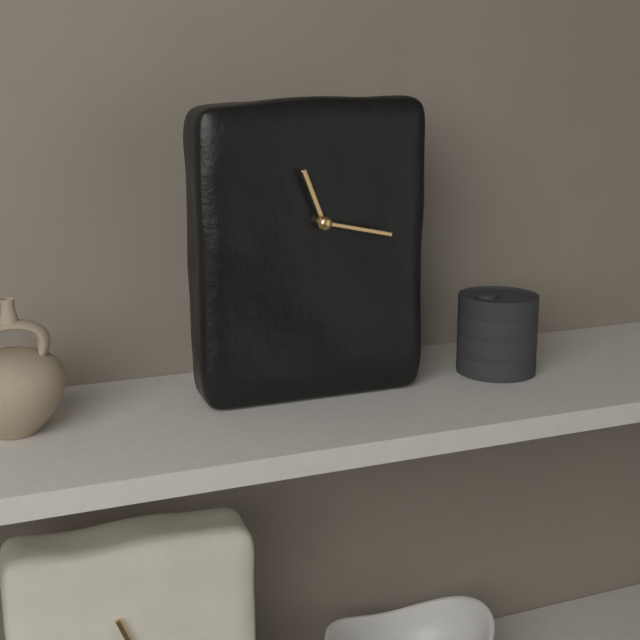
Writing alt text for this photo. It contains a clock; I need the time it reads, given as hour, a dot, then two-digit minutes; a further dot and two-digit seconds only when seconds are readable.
11.17
